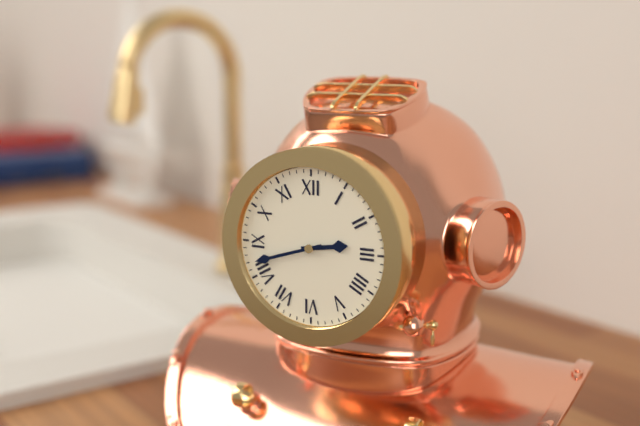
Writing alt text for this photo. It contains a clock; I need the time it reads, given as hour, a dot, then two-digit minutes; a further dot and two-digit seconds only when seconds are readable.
2.42
